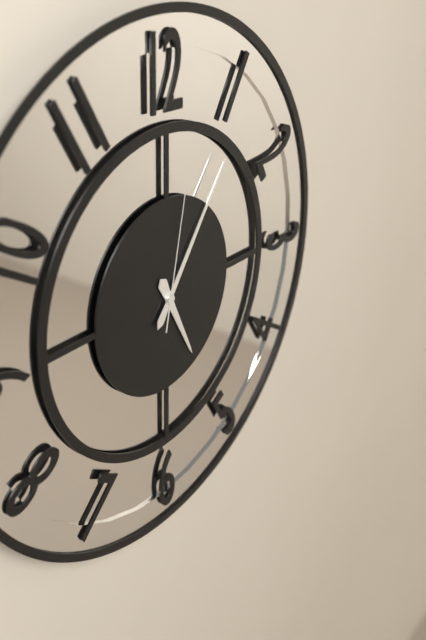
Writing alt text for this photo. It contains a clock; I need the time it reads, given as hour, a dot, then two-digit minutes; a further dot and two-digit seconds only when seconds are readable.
5.06.02
